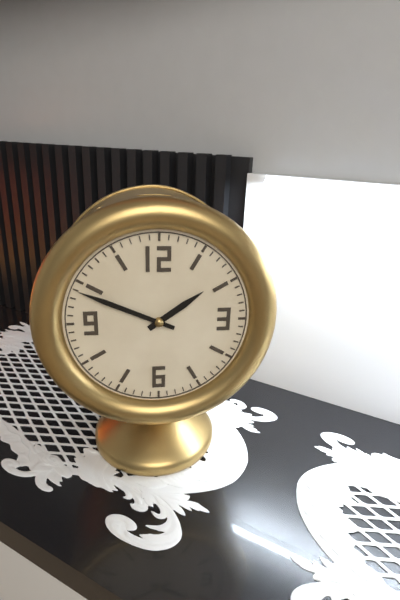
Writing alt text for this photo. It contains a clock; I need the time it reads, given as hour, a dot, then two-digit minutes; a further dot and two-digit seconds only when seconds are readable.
1.49
